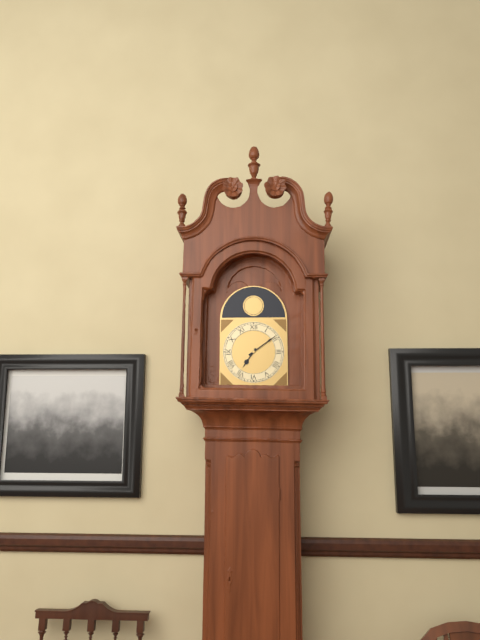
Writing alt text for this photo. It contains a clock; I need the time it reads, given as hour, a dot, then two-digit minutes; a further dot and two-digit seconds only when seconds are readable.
7.09
